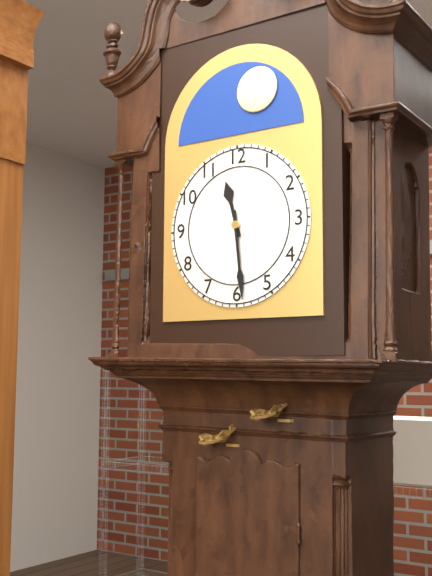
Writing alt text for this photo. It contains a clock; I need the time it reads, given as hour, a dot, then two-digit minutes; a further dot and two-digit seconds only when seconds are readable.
11.29
